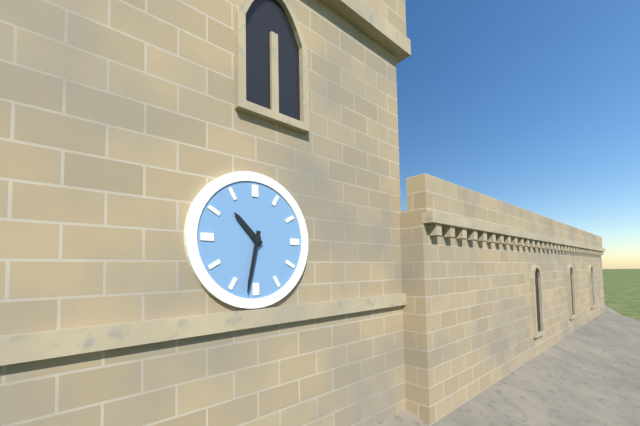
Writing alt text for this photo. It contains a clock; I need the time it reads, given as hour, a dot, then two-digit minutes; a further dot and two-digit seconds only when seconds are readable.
10.32
